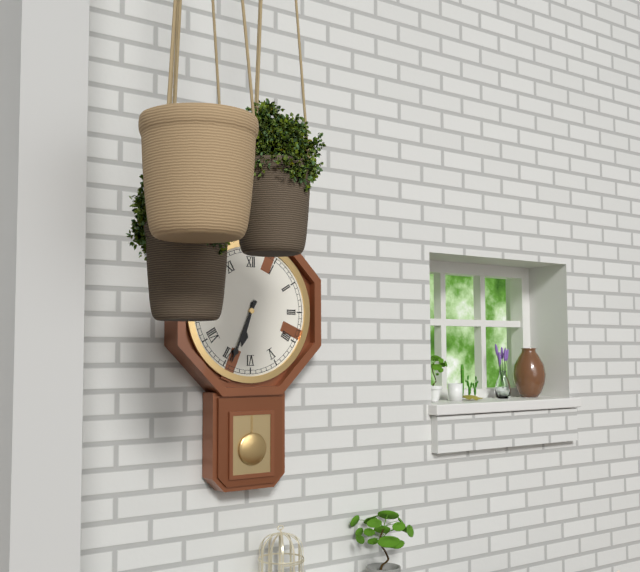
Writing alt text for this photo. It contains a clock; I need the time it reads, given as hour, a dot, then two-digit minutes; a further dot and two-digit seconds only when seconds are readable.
6.34
